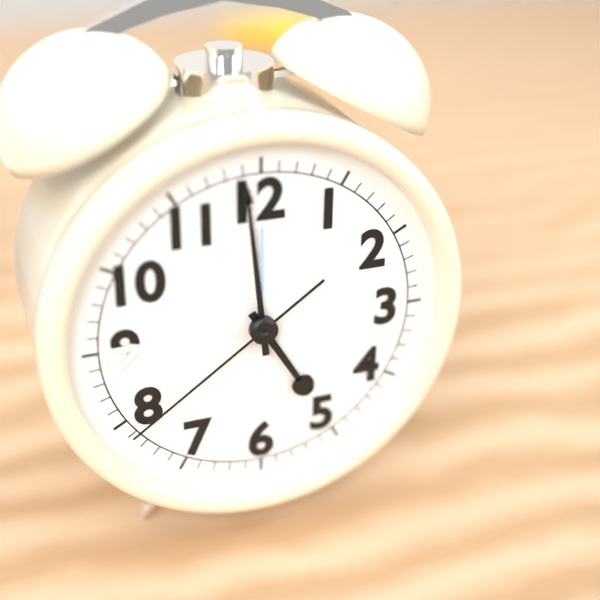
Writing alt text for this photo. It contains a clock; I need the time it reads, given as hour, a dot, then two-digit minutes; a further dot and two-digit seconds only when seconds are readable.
4.59.39
